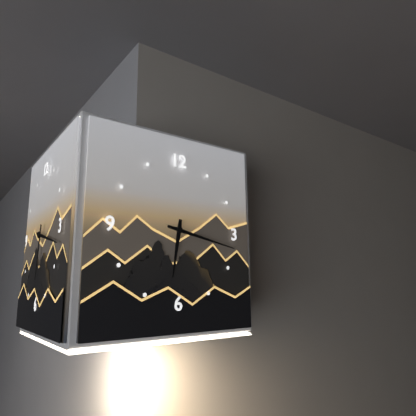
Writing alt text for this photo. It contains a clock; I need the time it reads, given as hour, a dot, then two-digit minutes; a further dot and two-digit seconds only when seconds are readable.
6.17
